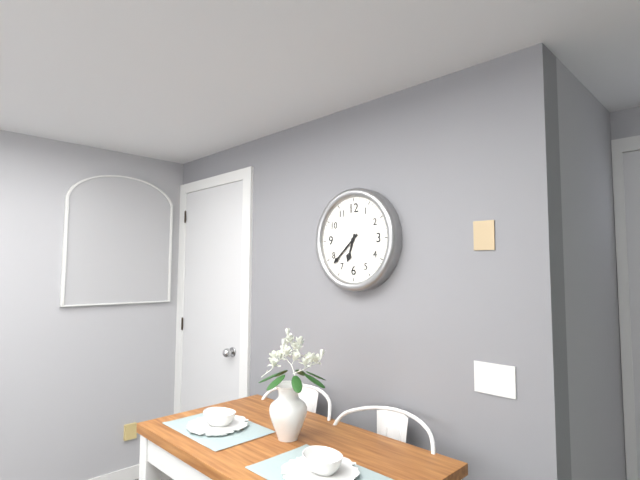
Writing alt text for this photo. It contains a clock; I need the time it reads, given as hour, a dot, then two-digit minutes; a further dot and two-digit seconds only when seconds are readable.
6.38
